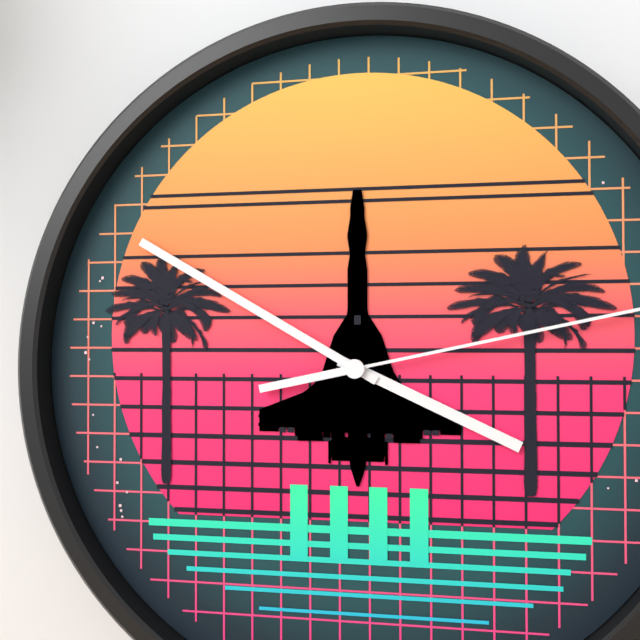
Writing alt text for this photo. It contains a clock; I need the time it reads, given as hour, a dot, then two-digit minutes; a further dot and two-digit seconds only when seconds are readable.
3.50
